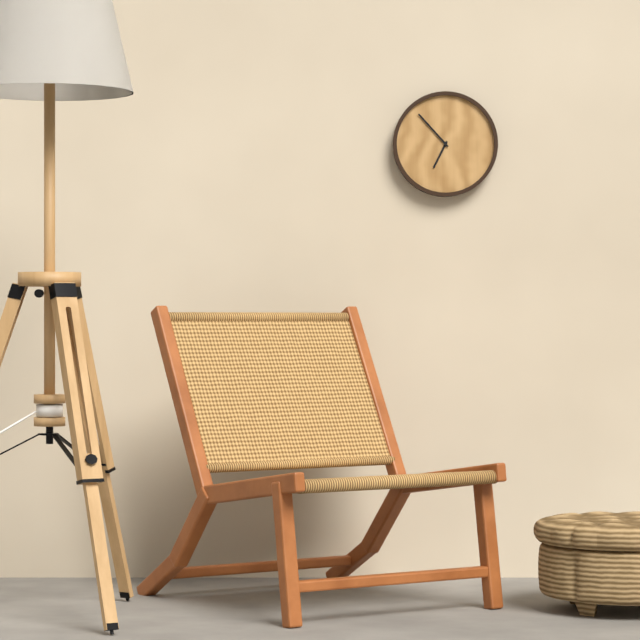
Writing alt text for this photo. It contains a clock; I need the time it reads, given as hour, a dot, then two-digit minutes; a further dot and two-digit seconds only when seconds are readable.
6.53
